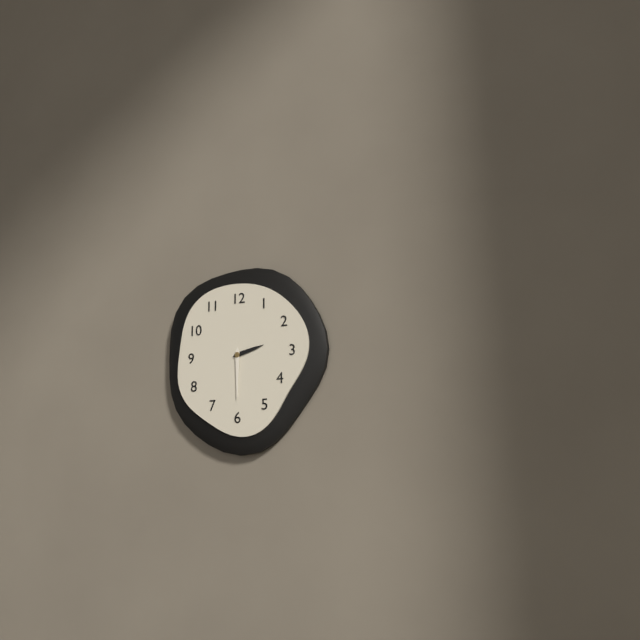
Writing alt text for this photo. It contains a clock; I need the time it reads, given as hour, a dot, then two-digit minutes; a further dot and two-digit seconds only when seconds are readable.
2.30
